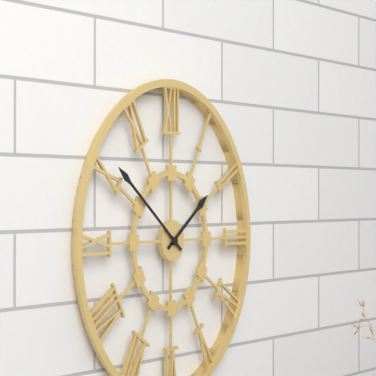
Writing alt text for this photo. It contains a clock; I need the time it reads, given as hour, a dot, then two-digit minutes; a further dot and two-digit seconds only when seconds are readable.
1.51
